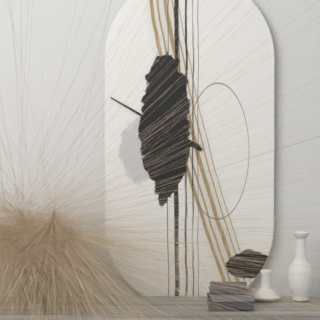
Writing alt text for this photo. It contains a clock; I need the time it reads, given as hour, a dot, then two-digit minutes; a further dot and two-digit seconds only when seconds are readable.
9.50
